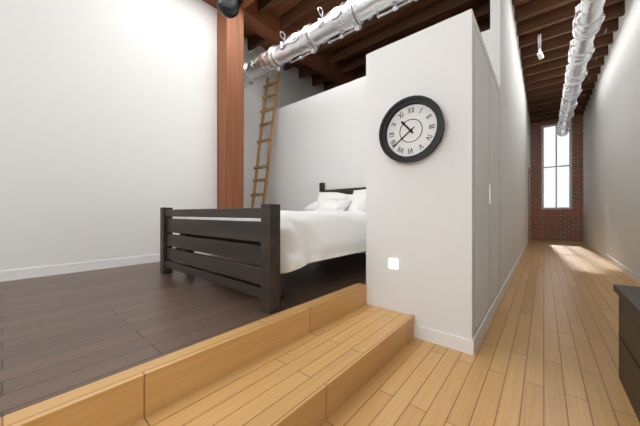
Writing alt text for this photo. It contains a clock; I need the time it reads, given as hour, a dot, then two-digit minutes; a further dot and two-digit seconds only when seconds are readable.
10.39
